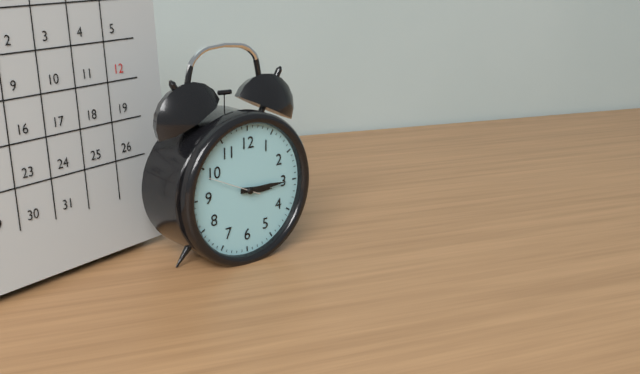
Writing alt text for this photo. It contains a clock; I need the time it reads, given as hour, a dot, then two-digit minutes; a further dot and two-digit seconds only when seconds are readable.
3.15
